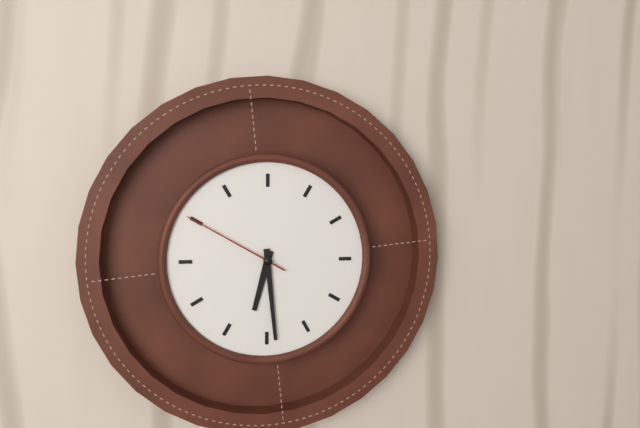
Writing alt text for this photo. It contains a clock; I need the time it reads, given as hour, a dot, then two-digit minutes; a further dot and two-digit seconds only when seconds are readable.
6.29.50
